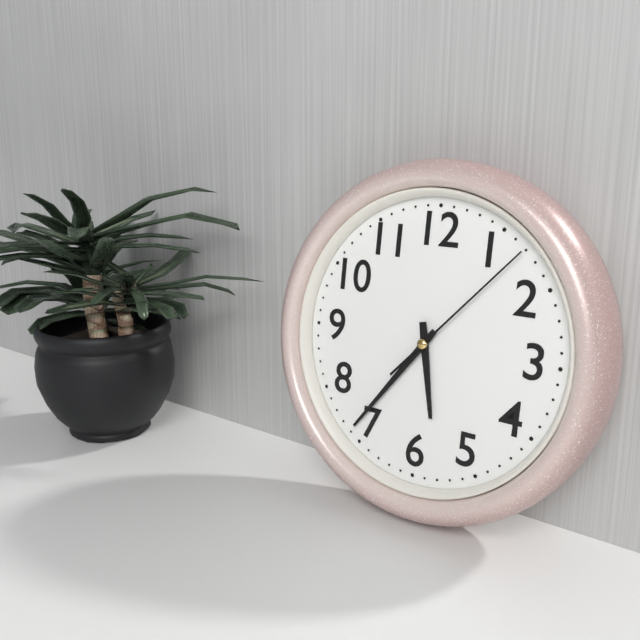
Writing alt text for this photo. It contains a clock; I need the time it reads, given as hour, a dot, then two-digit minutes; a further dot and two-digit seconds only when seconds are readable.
5.36.07
